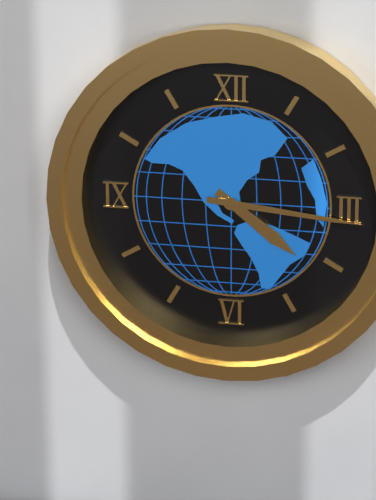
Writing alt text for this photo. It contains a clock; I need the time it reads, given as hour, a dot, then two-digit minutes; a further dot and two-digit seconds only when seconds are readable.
4.16
